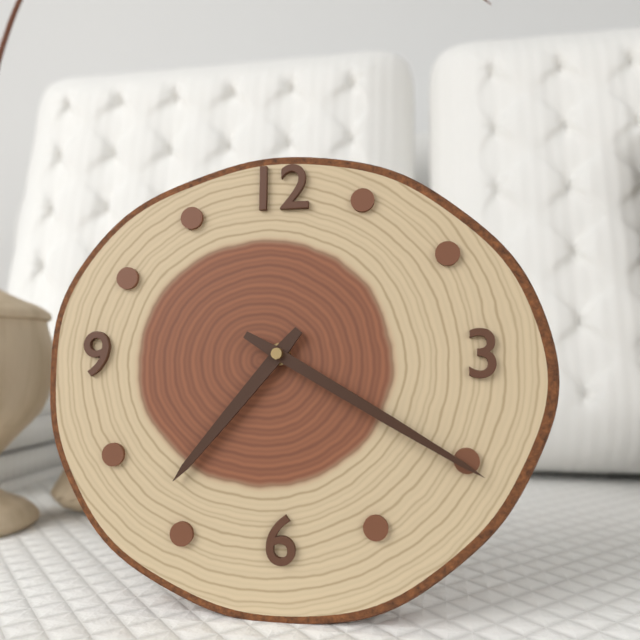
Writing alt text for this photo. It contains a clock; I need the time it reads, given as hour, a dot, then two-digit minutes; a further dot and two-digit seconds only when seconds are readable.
7.20
